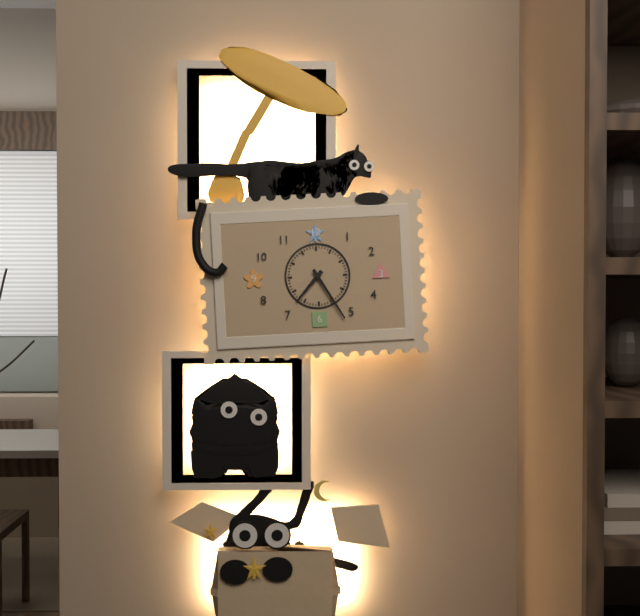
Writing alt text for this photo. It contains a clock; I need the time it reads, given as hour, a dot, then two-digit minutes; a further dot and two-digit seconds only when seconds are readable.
7.25
